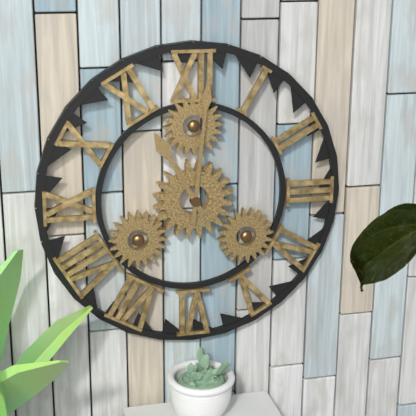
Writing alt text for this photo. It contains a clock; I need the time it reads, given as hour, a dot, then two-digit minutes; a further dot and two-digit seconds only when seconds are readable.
11.01
